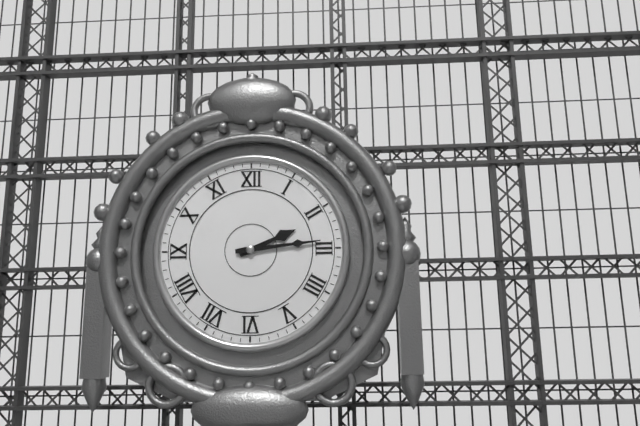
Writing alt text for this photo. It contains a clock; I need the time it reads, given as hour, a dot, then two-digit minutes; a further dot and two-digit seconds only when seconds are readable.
2.14
